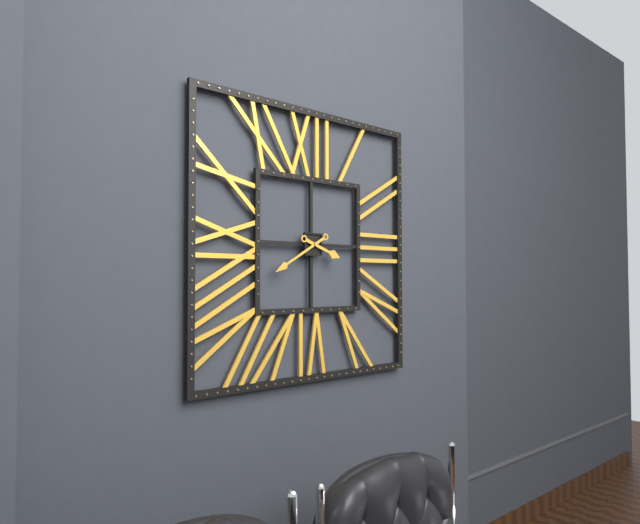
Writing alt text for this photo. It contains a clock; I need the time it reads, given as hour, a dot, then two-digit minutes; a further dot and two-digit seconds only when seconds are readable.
3.40
